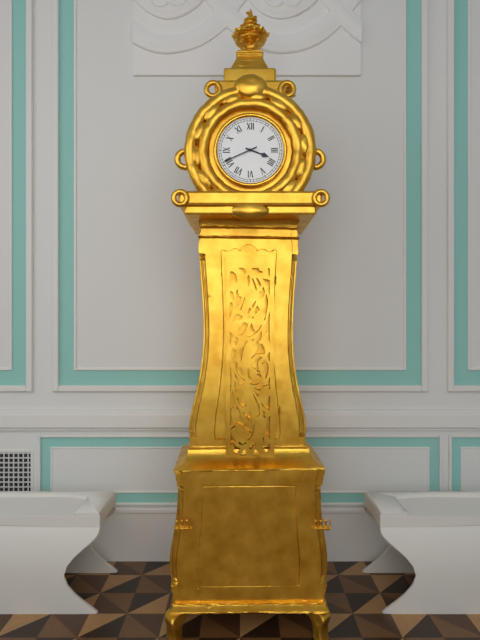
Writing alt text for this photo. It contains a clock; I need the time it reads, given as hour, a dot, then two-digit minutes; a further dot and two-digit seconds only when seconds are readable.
3.41
